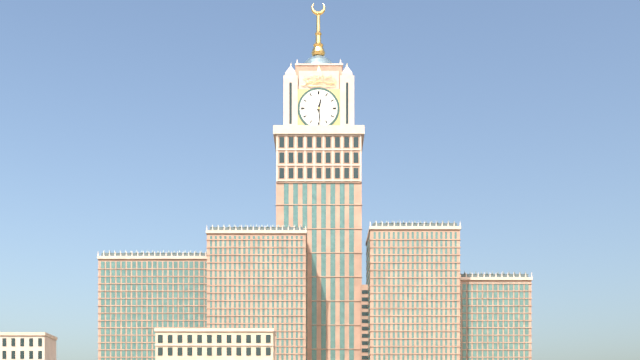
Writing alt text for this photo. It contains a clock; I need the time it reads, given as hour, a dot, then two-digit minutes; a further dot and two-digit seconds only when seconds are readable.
12.29
